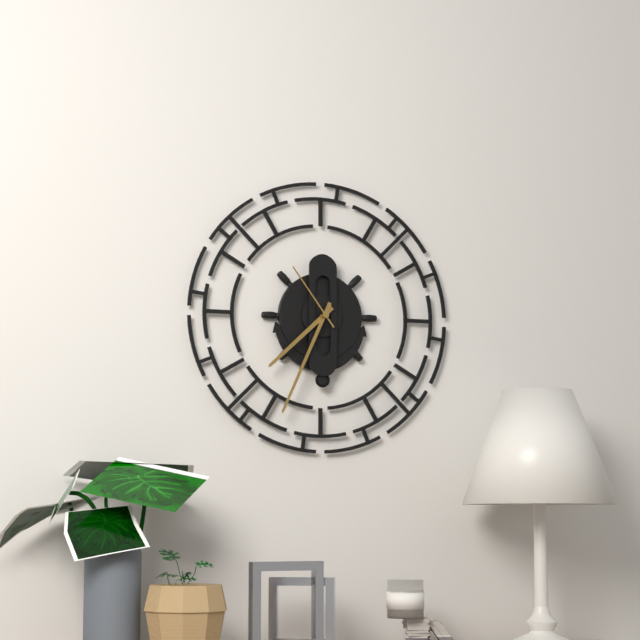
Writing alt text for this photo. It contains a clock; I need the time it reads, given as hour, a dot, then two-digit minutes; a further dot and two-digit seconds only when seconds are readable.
7.34.54
